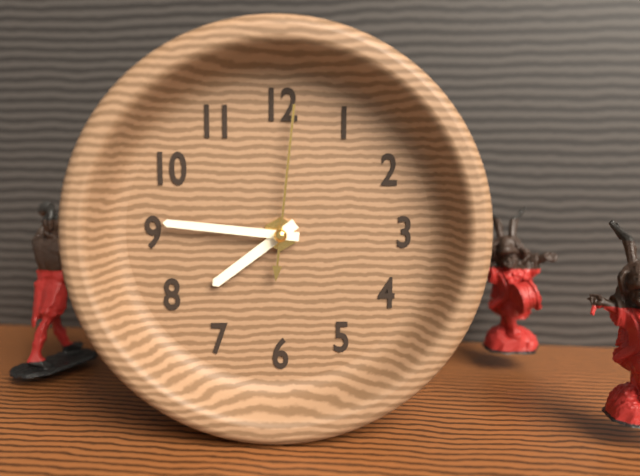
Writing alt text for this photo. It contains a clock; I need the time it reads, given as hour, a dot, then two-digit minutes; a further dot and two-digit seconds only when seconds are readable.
7.46.01
